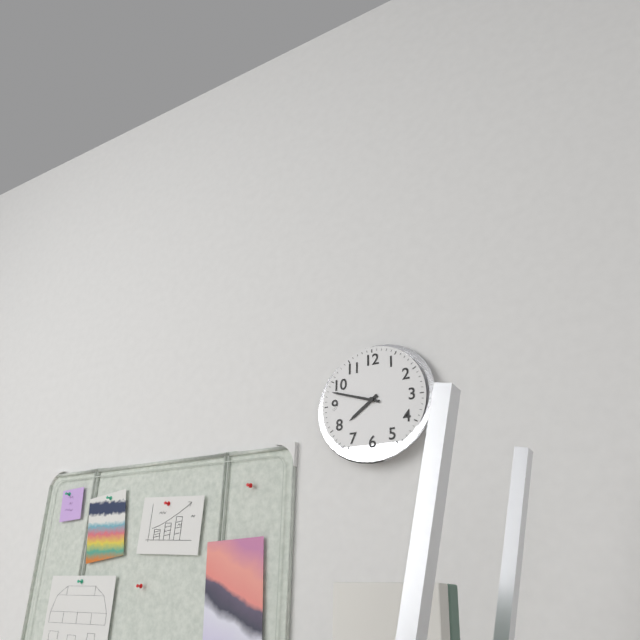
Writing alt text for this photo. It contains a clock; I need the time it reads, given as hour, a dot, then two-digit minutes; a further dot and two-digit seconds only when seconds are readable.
7.48
